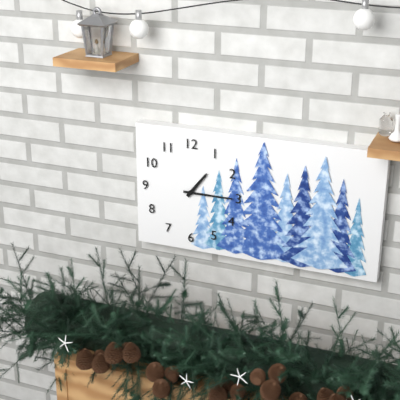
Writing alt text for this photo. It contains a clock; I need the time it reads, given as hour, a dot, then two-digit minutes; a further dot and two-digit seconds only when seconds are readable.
1.15
